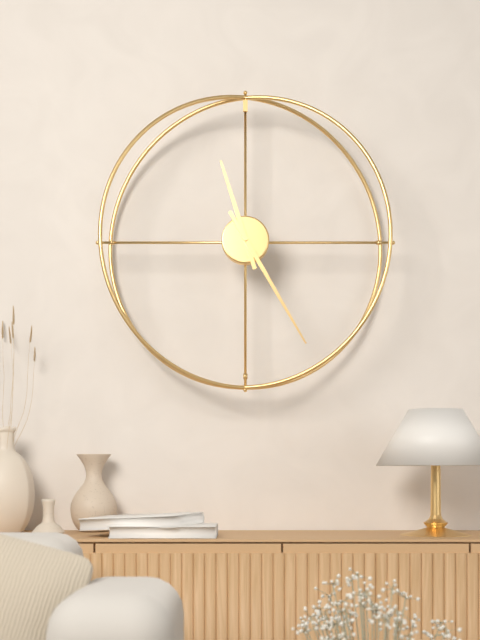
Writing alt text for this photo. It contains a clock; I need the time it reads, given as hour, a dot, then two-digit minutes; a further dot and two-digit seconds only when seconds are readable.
11.25
